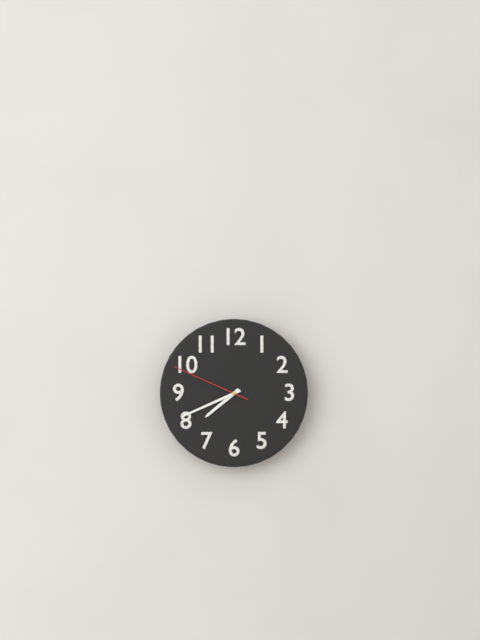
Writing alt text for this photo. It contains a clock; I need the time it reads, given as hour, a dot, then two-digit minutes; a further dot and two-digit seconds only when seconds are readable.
7.41.49
